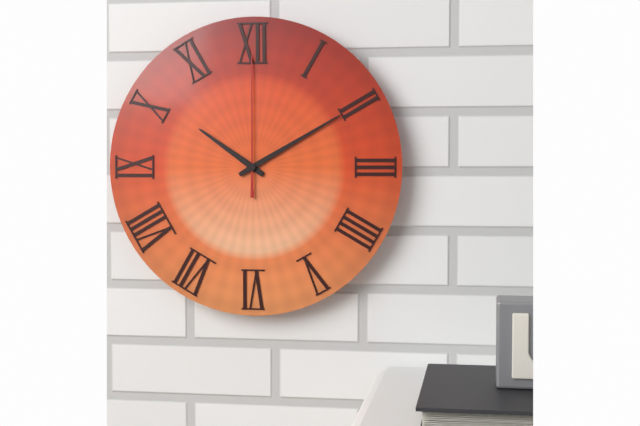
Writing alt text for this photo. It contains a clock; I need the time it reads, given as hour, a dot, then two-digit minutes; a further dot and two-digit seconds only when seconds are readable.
10.10.00
